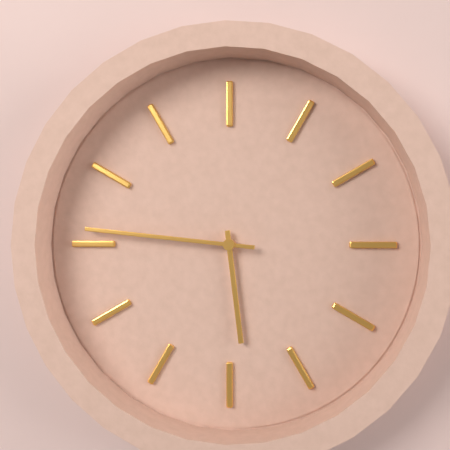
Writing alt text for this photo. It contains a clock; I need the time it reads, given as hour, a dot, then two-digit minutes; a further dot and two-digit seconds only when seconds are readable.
5.46
